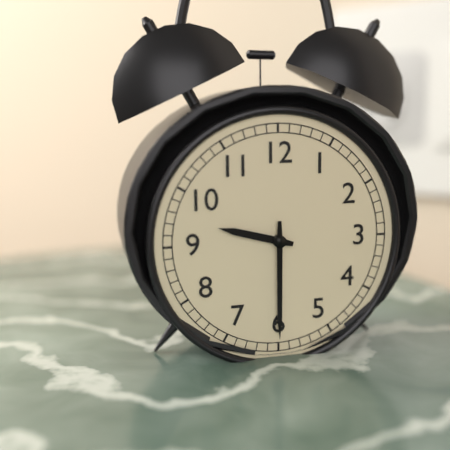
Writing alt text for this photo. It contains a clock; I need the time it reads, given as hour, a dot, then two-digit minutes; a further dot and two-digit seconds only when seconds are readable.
9.30
